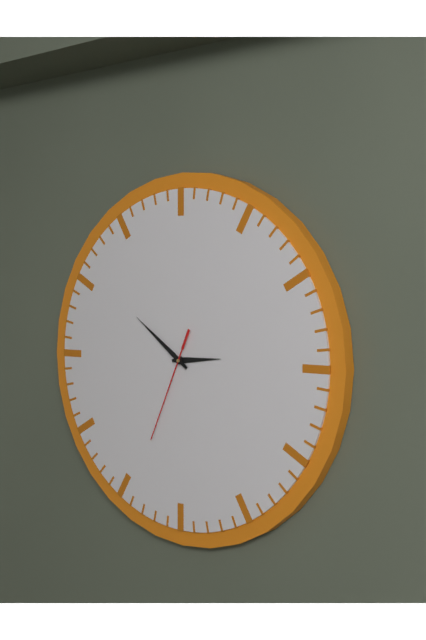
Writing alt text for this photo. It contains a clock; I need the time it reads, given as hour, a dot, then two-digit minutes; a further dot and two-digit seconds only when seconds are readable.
2.51.34
